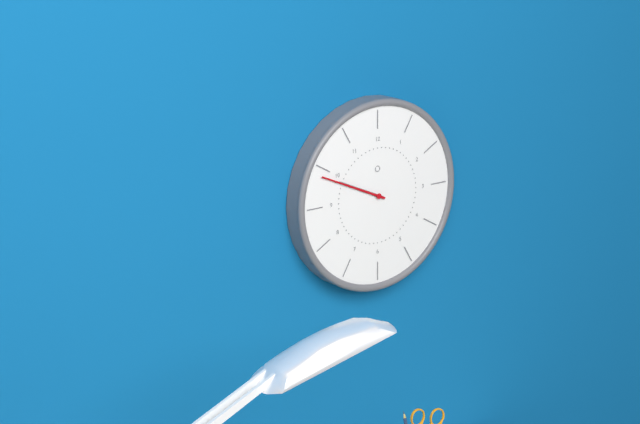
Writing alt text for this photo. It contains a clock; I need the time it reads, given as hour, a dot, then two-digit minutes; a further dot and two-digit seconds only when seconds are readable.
9.49
